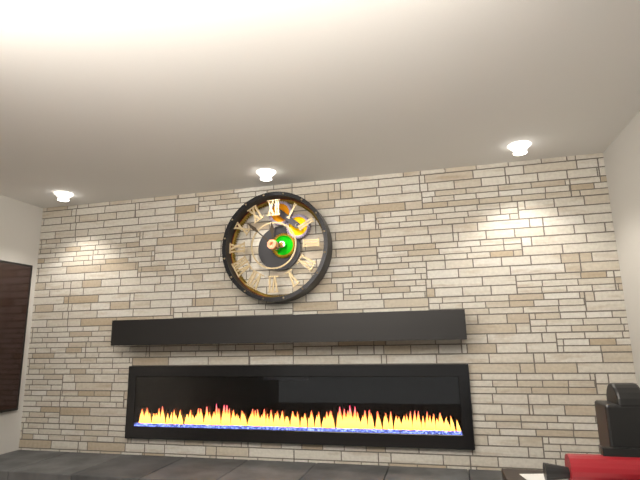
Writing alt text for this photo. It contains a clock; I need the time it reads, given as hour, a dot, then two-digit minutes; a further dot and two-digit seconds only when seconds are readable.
11.52
